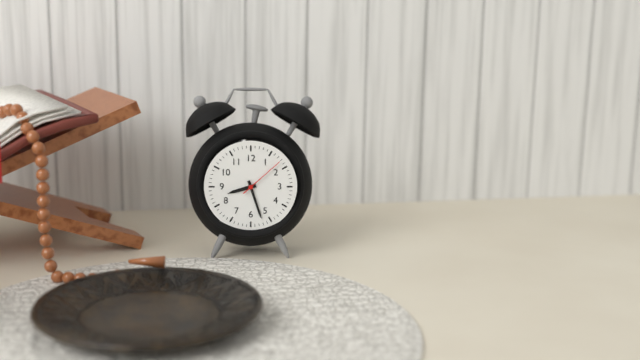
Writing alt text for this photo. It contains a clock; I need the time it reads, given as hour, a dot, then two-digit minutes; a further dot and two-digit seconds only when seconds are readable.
8.27
